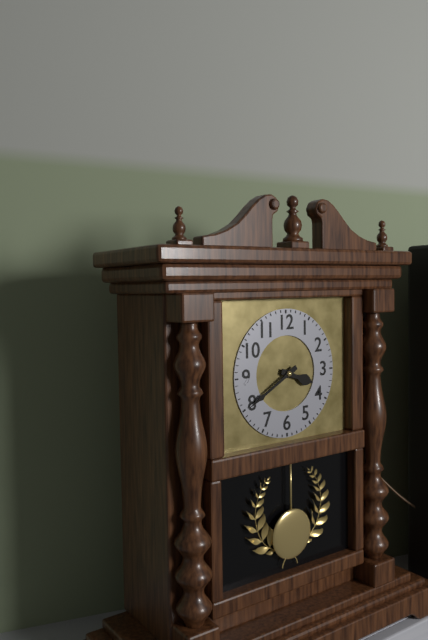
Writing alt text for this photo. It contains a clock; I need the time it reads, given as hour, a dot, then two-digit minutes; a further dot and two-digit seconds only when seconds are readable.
3.40
